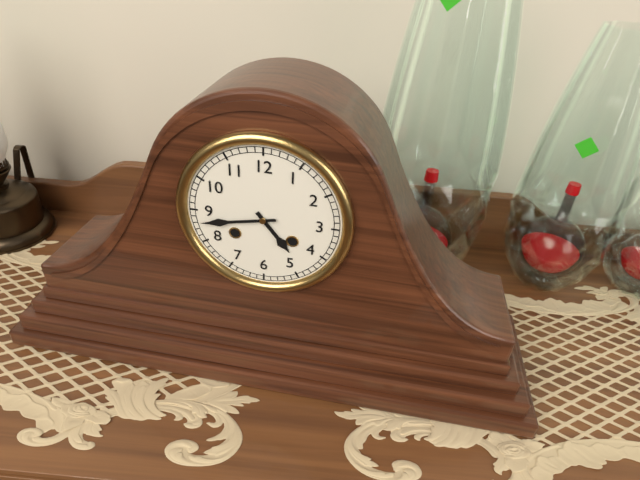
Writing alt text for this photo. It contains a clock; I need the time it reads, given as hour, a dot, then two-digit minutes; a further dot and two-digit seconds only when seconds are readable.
4.43
